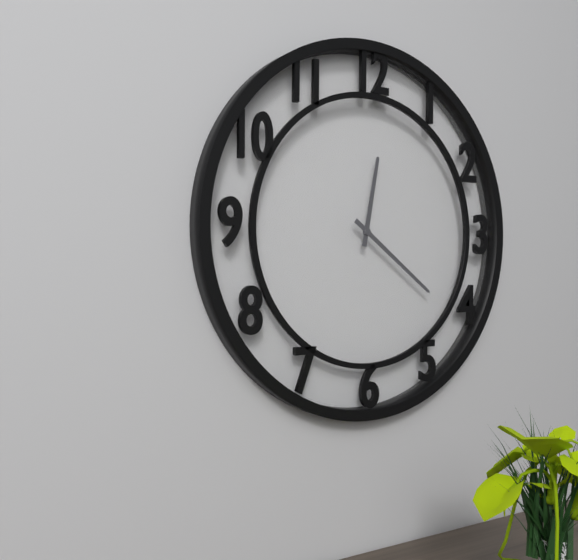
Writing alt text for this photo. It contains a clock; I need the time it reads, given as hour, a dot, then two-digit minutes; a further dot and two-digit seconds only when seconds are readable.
12.21
